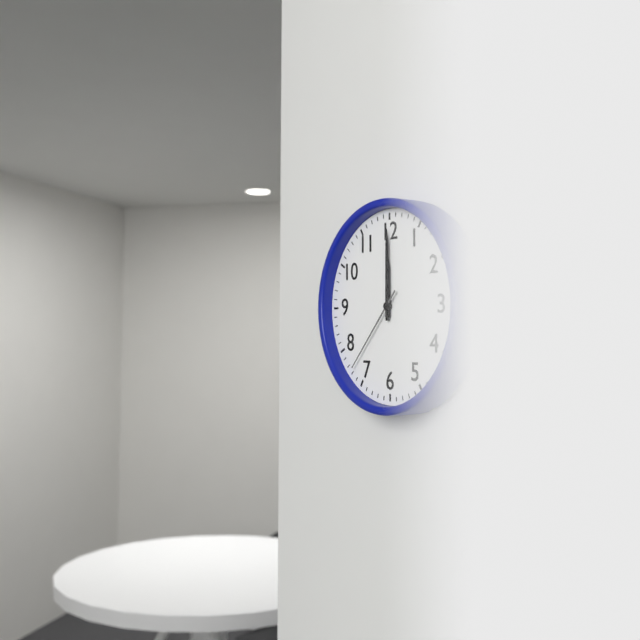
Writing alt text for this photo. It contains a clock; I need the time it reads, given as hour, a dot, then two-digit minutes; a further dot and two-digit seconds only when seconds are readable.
12.00.37
